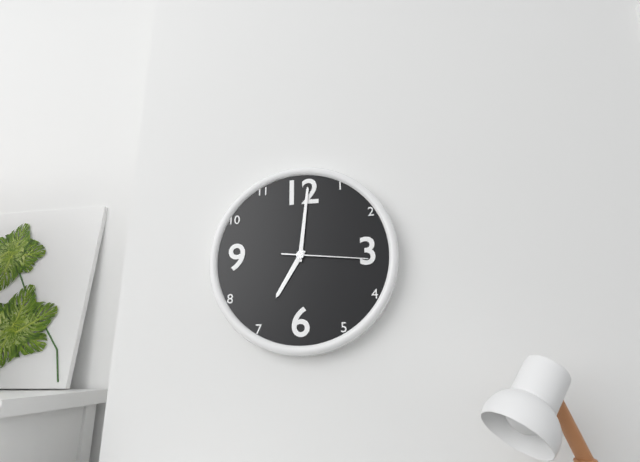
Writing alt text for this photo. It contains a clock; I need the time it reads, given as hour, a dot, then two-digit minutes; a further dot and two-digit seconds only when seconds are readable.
7.01.16
